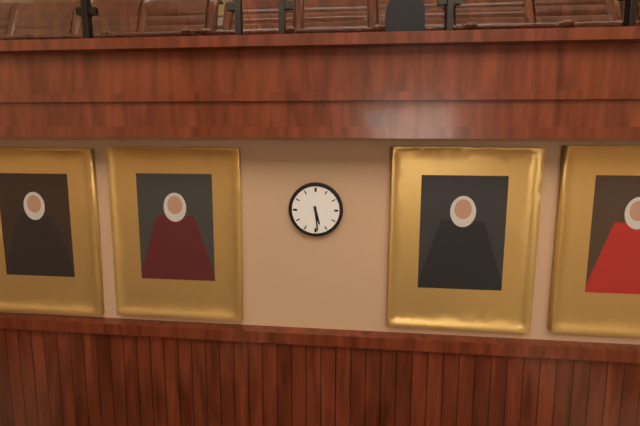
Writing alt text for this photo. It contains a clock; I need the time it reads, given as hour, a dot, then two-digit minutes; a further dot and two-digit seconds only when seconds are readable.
5.29
